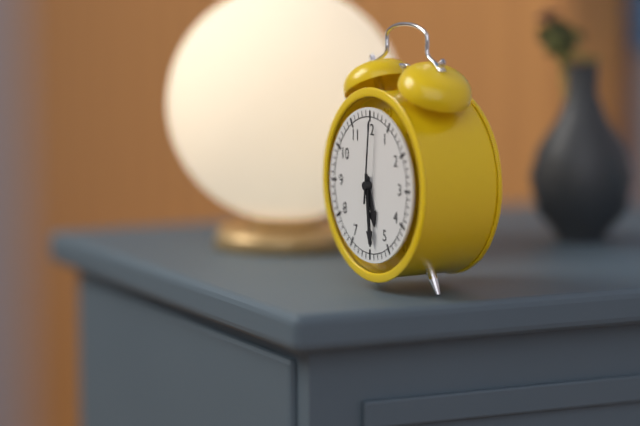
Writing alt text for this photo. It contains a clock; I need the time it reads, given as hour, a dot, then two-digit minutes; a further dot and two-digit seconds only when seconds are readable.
5.29.01
